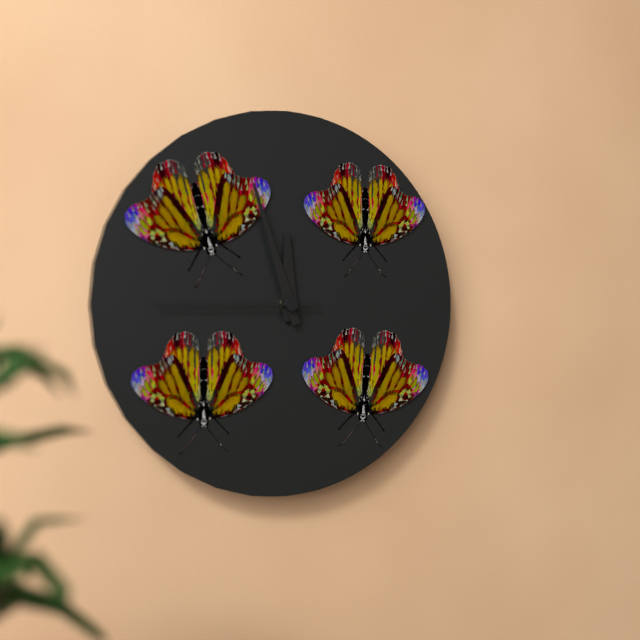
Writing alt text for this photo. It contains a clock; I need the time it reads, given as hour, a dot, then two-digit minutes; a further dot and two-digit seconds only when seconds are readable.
11.57.45
